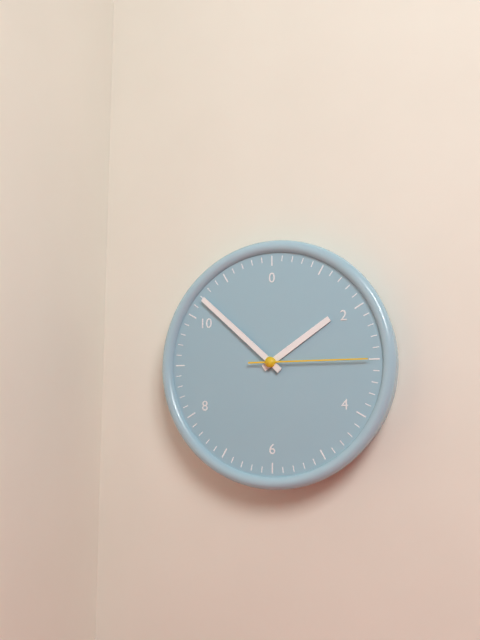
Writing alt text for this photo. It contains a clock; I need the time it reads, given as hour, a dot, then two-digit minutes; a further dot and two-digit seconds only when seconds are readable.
1.52.15
